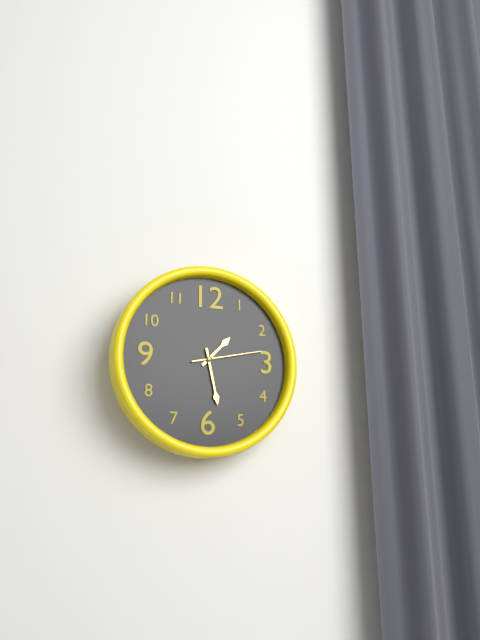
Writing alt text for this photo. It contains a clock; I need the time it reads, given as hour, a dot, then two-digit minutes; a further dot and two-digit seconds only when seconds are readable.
1.28.13
